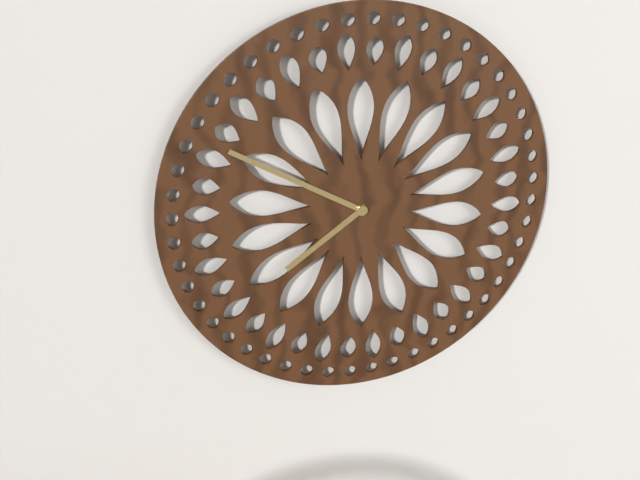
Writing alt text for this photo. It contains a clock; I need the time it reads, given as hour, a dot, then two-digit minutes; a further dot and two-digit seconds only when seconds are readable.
7.50
